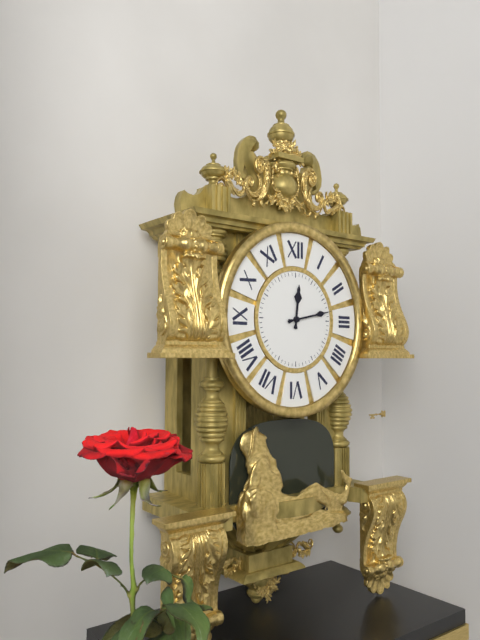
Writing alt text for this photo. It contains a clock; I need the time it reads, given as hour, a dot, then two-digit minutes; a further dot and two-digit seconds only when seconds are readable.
12.13
